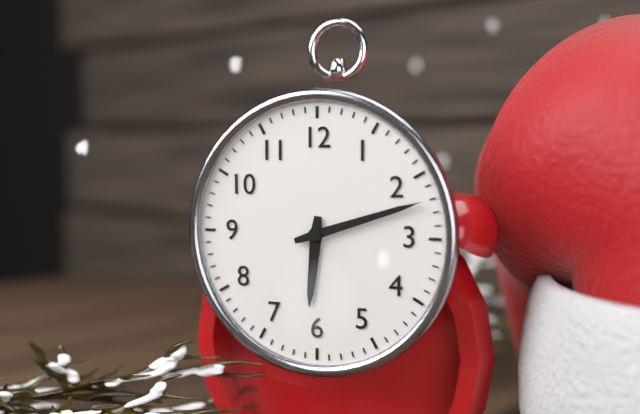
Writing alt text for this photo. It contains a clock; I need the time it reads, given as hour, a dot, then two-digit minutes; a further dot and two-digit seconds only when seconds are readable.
6.12
